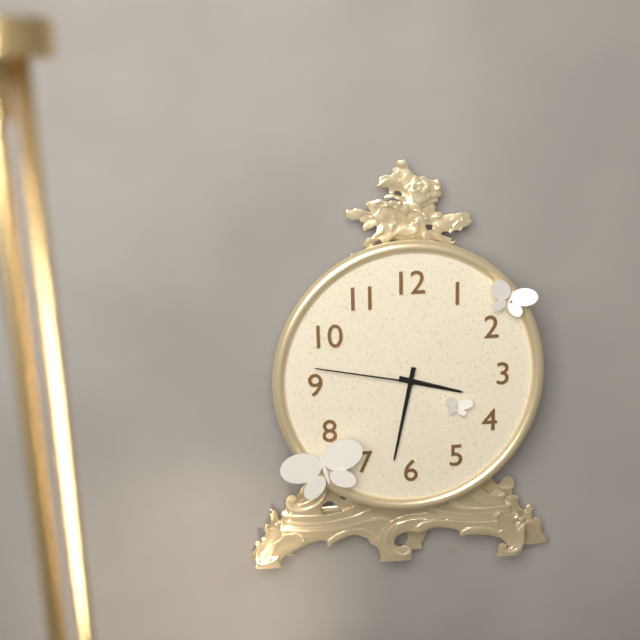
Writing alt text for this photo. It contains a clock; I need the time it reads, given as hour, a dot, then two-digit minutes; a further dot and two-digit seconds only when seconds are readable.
3.32.47
